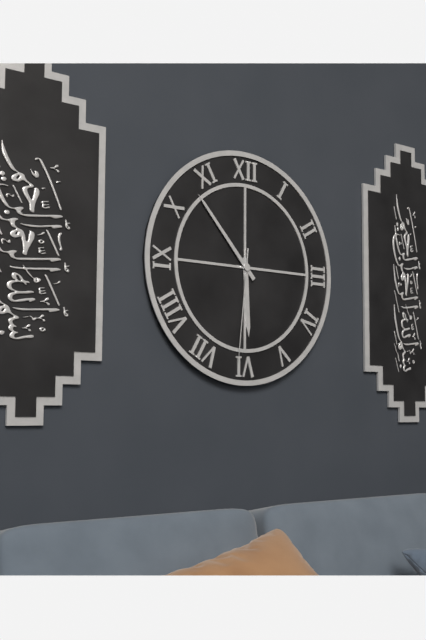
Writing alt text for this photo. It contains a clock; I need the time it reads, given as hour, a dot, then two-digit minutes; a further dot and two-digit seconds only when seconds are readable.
5.53.31
